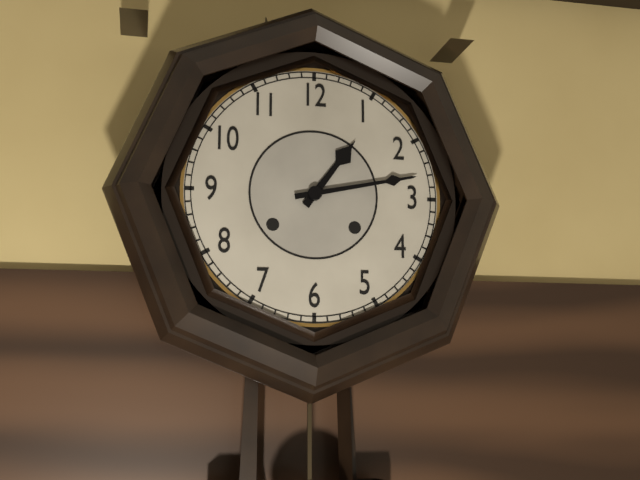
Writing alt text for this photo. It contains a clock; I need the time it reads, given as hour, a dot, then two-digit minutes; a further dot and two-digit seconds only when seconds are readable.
1.13
